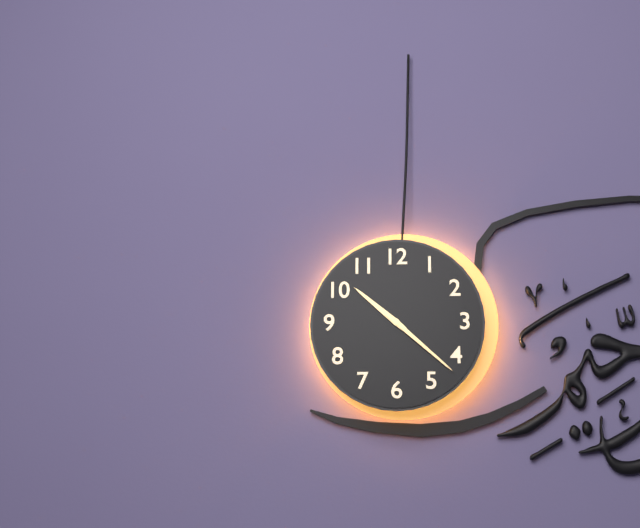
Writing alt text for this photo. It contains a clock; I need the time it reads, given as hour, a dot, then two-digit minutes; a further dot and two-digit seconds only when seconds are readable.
10.22
